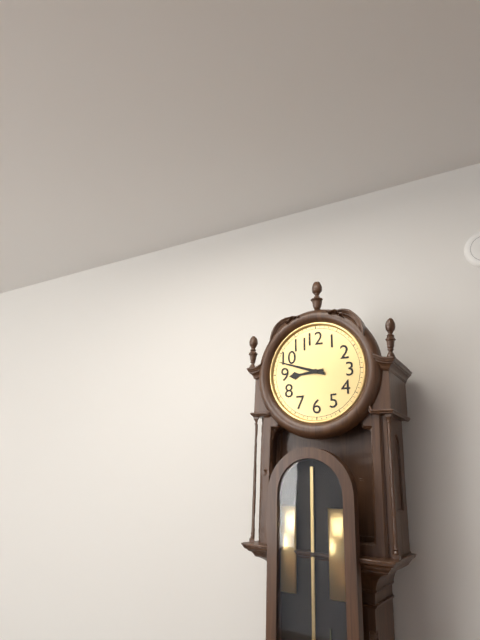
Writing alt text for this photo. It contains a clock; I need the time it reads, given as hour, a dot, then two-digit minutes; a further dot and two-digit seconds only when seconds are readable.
8.48
